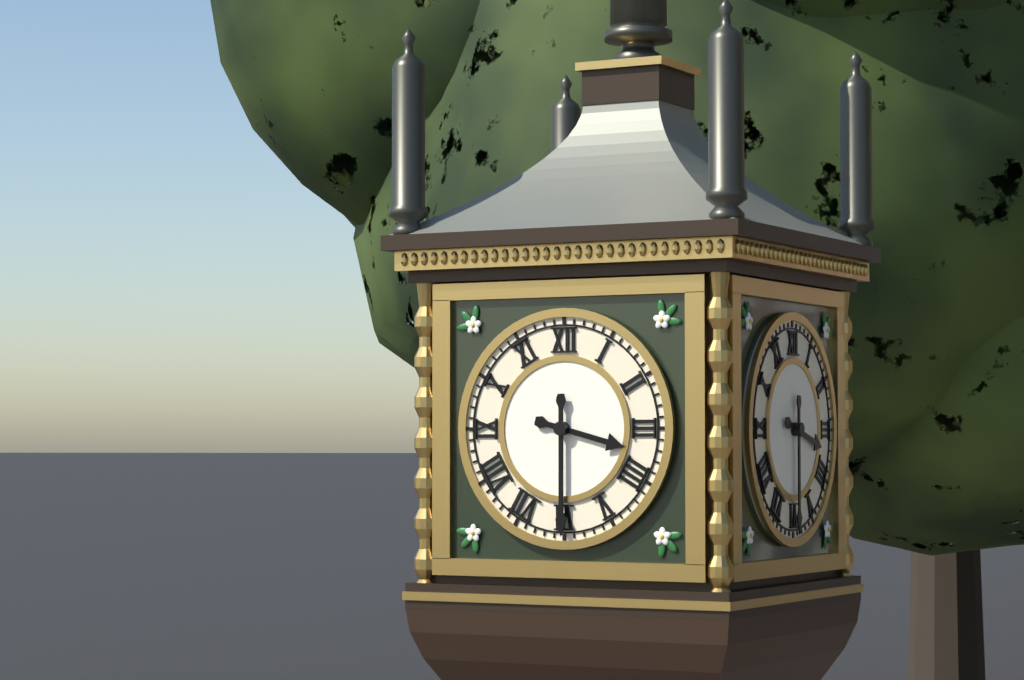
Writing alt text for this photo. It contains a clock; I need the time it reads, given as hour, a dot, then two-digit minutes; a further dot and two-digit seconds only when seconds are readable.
3.30
